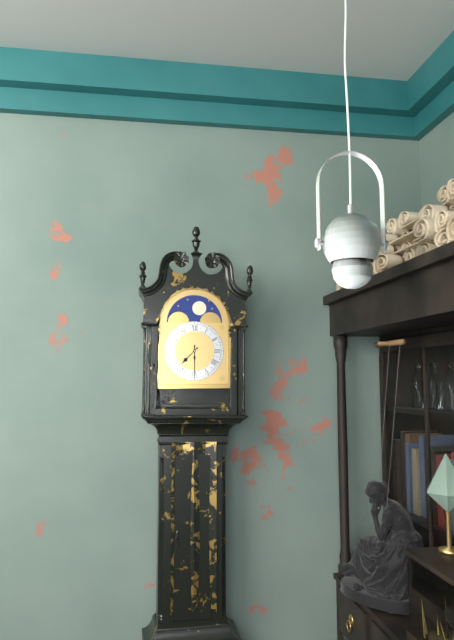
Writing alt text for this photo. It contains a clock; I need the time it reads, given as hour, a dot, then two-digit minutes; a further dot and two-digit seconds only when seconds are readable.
7.30
